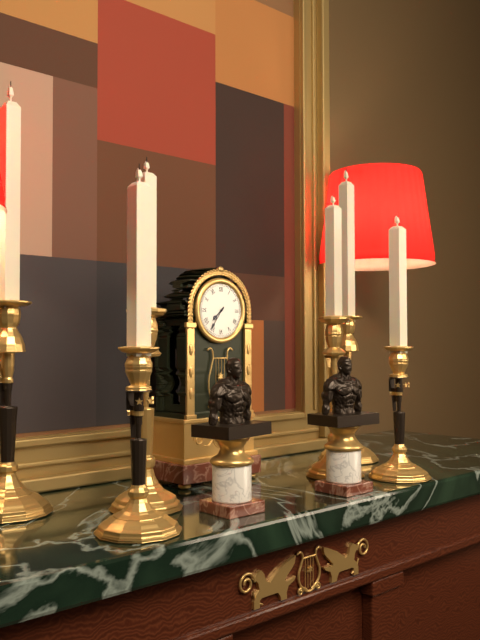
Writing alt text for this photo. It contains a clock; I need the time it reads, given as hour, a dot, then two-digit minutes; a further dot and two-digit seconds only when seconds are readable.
7.36
